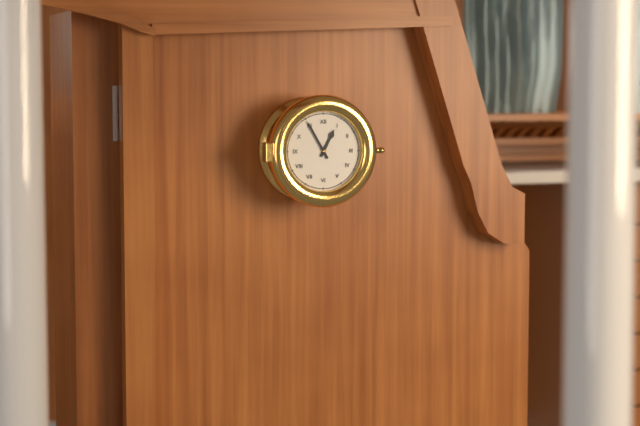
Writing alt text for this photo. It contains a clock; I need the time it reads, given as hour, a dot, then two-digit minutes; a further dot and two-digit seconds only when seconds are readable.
12.55
